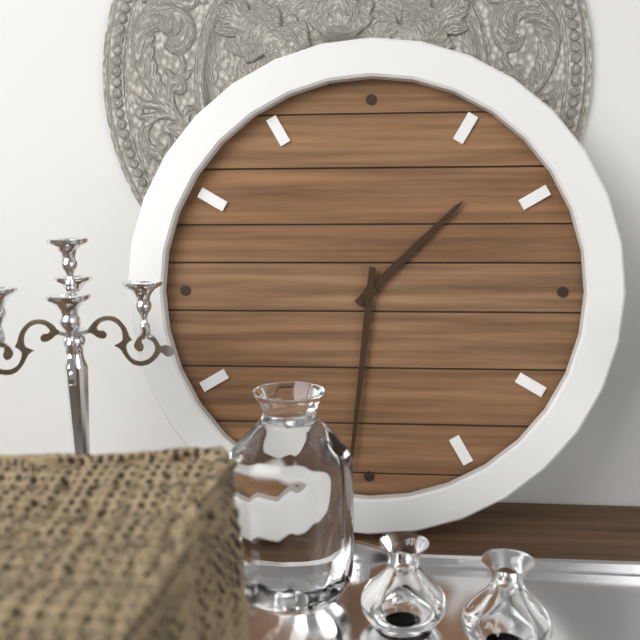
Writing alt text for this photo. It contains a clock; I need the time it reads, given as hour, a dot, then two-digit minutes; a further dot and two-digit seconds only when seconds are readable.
1.31
